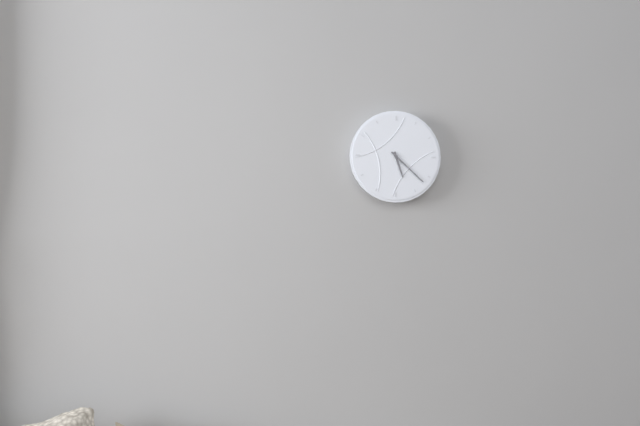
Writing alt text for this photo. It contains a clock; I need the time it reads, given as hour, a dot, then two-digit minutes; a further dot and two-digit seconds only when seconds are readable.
5.22
